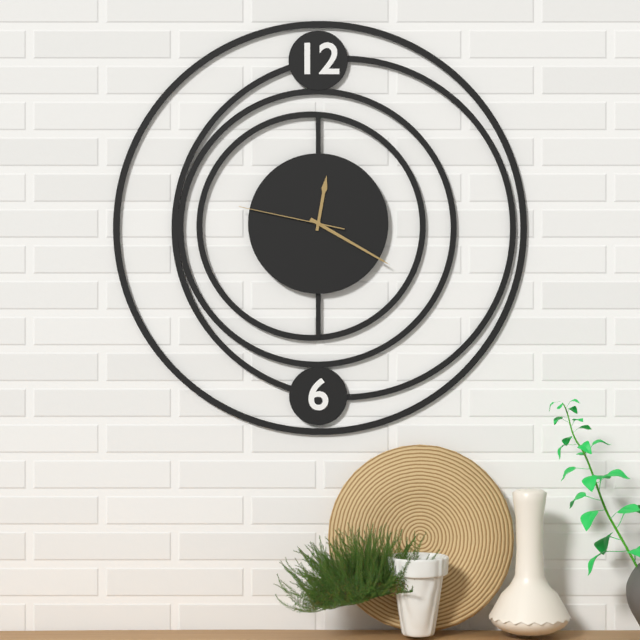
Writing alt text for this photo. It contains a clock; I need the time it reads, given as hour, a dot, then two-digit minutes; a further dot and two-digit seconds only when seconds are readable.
12.20.47
